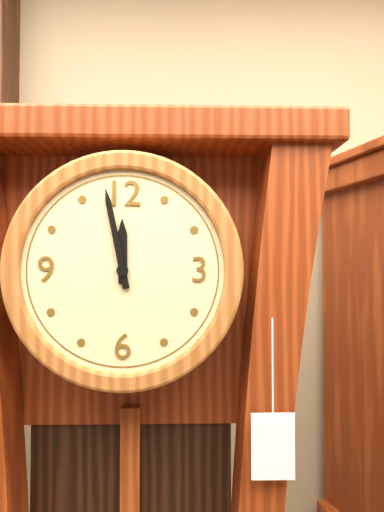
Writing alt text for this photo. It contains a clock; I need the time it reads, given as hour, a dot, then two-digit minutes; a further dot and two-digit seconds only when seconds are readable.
11.58
